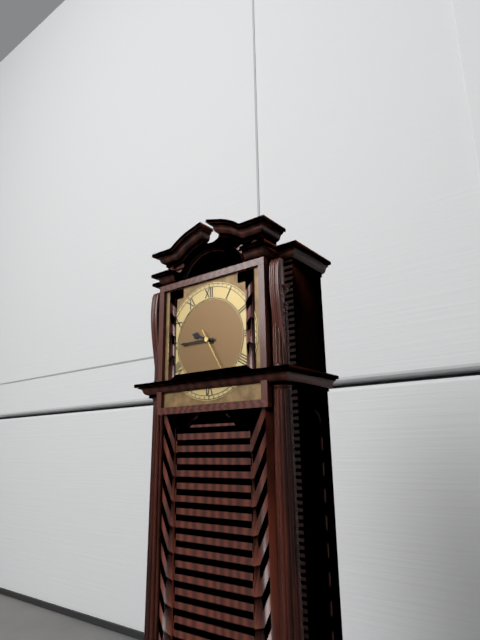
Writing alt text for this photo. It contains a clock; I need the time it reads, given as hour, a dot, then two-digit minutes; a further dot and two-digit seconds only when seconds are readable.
9.45
